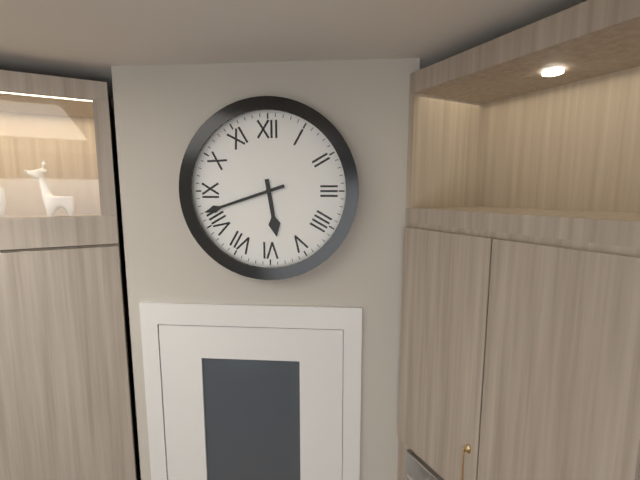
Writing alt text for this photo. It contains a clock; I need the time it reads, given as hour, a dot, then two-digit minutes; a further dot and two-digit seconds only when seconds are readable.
5.42
